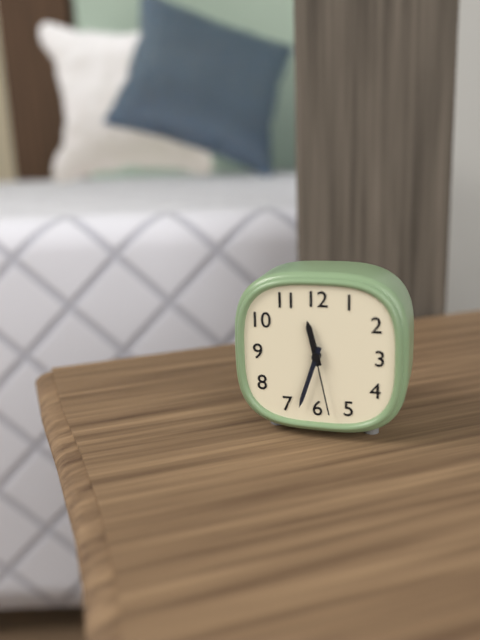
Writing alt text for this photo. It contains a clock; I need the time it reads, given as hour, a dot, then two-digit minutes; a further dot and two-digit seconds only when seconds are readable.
11.33.28
